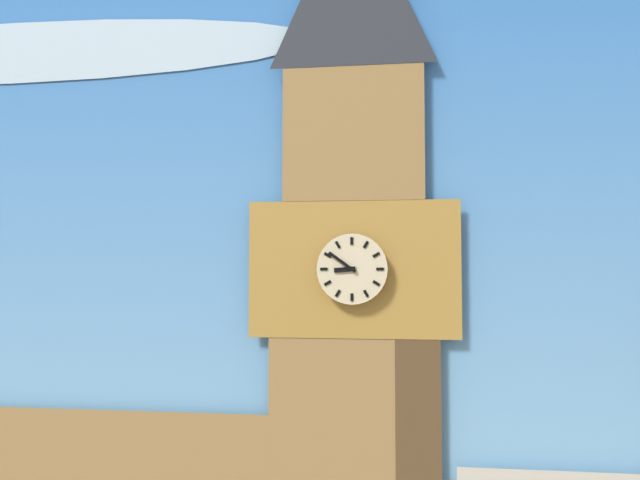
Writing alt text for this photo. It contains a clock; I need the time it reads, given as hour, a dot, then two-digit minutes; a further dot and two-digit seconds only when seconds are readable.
8.51
